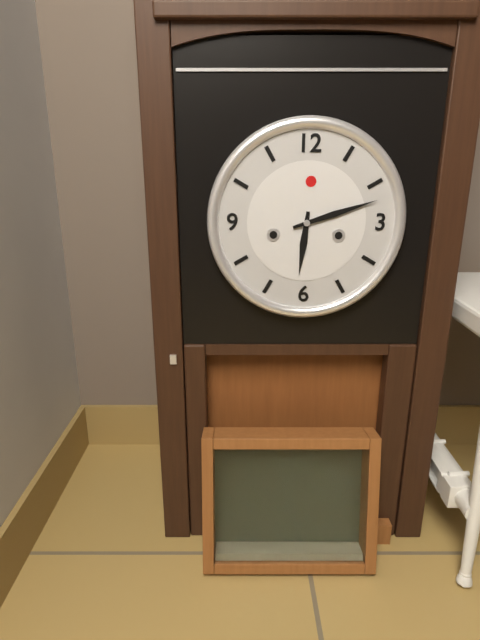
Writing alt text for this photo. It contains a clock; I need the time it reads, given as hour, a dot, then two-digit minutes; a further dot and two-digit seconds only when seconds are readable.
6.12
